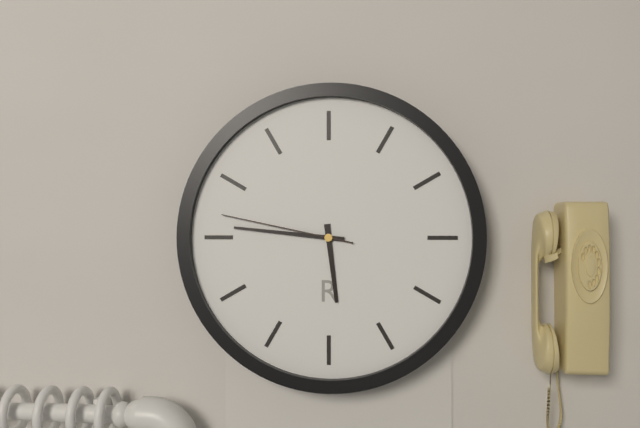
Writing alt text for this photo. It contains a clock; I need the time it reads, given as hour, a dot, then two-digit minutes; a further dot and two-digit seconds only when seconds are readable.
5.46.47
